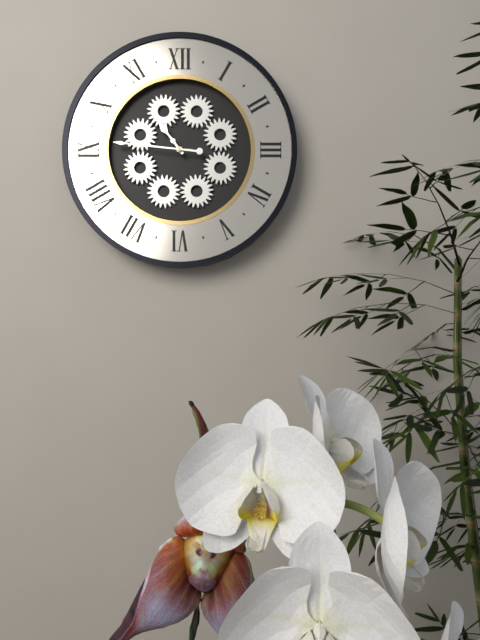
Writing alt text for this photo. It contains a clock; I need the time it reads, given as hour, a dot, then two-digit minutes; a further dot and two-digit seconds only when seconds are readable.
10.46
